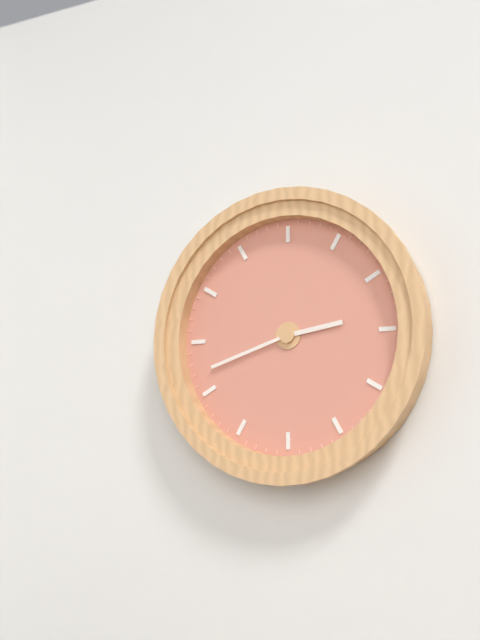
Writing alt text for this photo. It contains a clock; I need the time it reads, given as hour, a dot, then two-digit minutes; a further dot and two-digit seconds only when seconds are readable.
2.42
